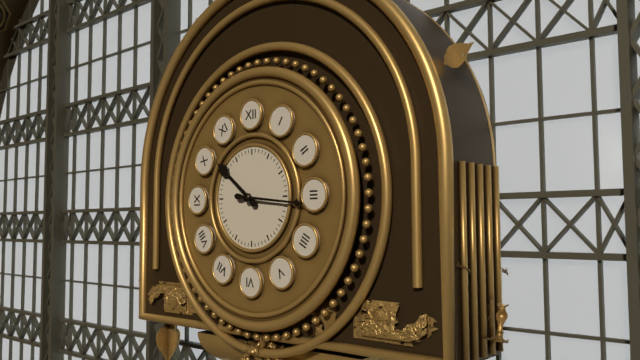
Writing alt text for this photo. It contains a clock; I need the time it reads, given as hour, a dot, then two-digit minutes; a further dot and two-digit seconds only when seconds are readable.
10.16
